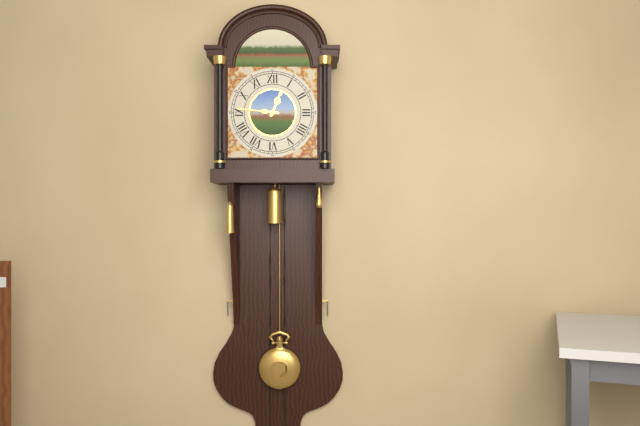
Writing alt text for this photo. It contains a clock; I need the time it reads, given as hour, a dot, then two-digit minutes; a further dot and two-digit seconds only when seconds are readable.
12.46
